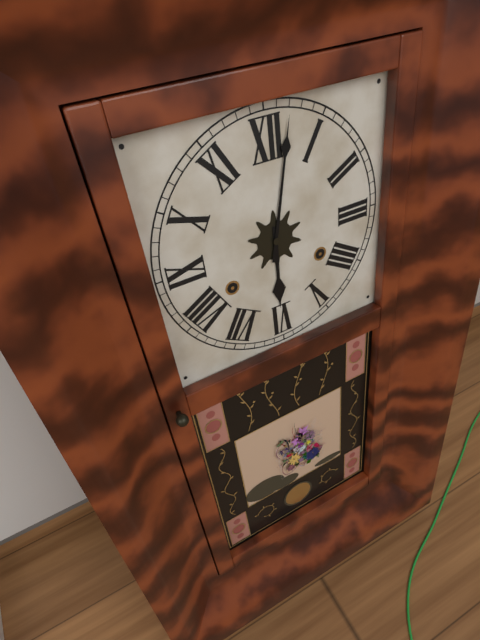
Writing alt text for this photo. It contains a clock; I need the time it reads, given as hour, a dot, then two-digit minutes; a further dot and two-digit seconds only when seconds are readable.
6.02
